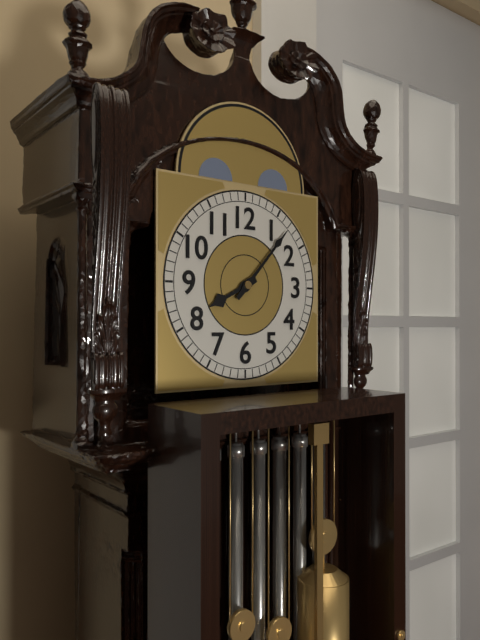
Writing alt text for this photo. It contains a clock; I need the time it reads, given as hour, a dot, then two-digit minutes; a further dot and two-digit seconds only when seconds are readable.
8.07
